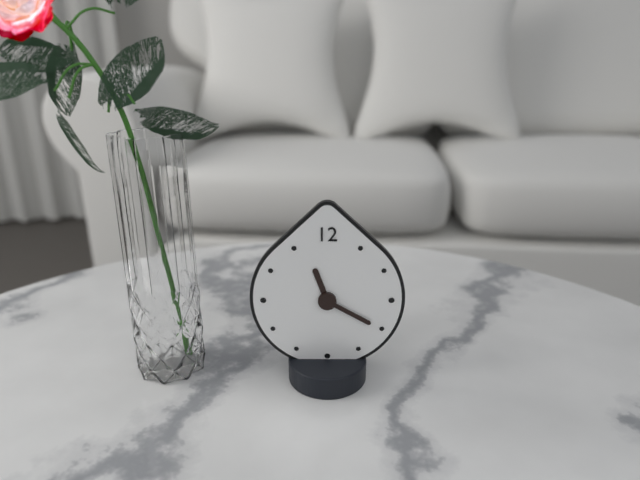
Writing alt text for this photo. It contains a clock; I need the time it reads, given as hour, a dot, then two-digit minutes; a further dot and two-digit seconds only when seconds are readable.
11.20
